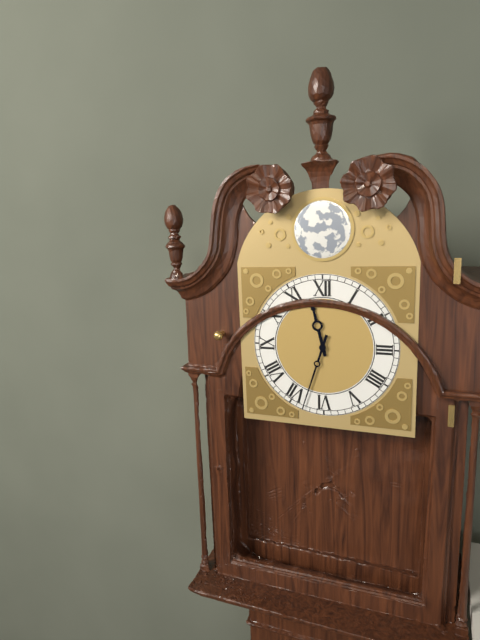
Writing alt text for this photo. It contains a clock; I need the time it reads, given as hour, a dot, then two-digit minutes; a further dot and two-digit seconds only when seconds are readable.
11.33
